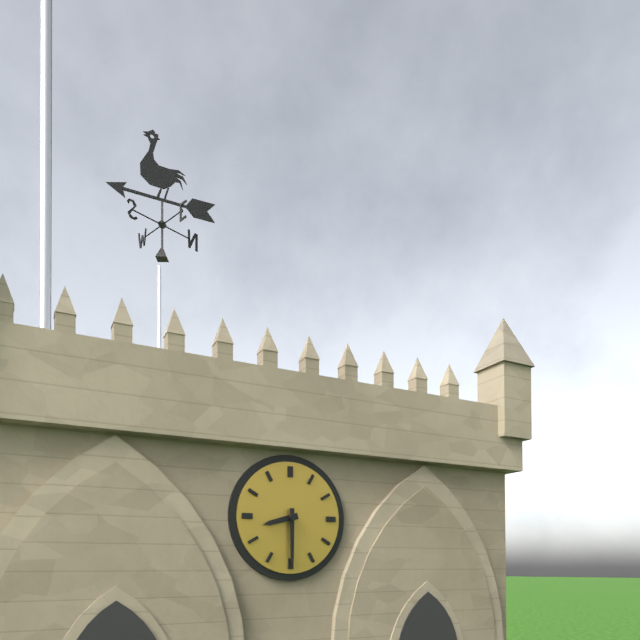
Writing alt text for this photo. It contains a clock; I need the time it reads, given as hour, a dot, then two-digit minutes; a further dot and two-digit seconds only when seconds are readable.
8.30
